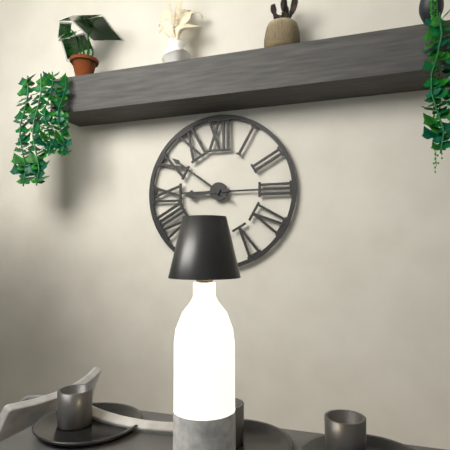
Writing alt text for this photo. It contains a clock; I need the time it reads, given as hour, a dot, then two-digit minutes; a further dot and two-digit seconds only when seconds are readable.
8.51
